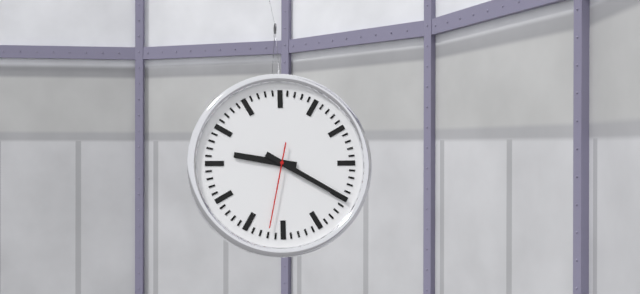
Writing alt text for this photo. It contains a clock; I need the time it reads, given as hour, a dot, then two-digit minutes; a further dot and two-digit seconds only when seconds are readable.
9.20.32
